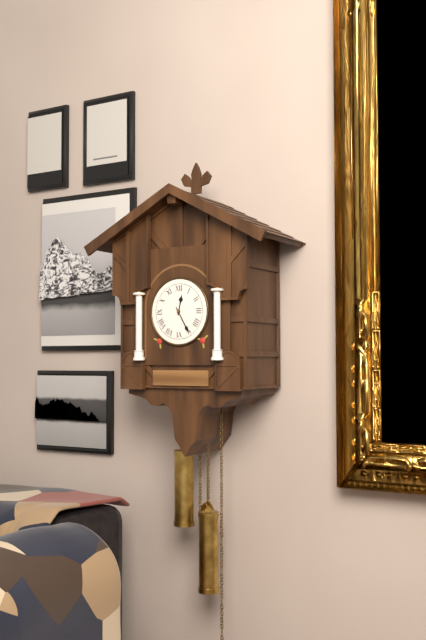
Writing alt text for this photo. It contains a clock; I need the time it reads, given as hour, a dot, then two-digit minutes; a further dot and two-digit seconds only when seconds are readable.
12.25
